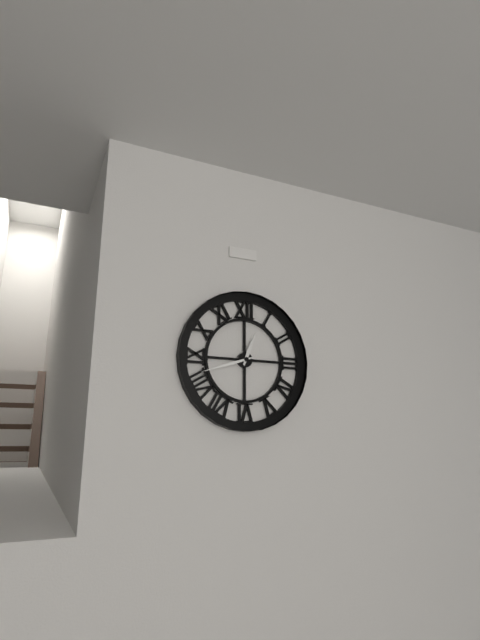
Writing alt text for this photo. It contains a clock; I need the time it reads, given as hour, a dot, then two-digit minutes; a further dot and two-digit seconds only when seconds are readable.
12.42
